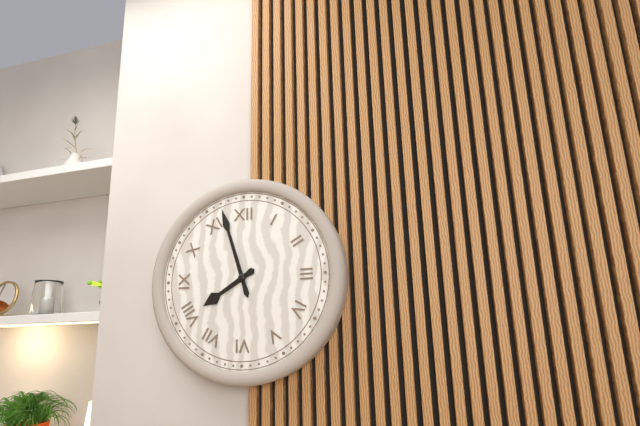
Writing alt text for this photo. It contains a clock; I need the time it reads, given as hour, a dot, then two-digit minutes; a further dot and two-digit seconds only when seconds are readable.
7.57
